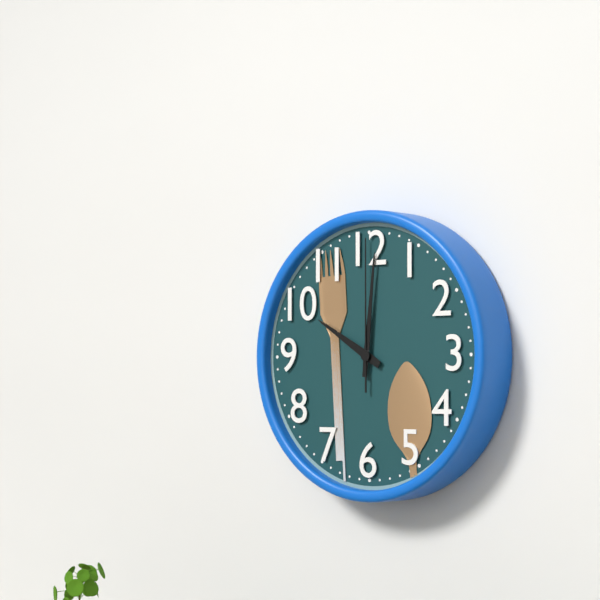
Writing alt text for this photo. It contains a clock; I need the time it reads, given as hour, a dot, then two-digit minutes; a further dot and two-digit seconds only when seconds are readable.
10.01.00
